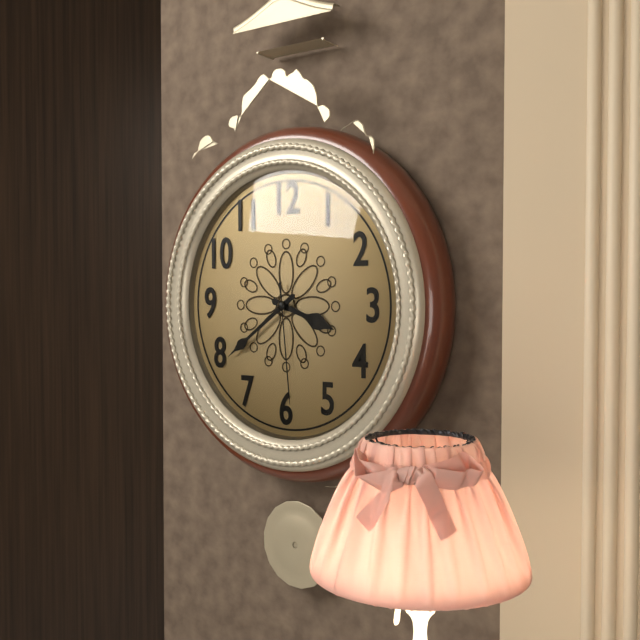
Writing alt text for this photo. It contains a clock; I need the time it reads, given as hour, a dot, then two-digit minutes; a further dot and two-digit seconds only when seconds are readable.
3.39.29
